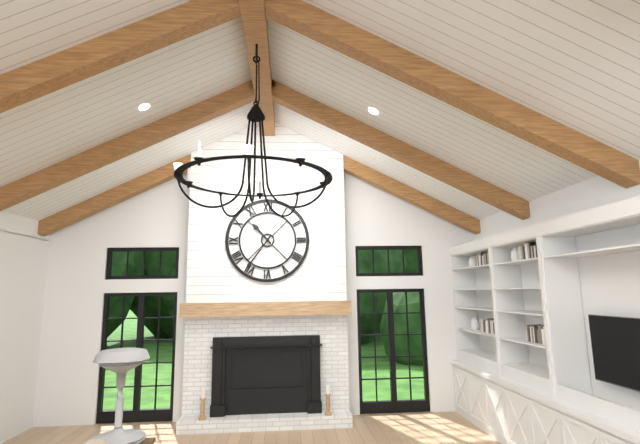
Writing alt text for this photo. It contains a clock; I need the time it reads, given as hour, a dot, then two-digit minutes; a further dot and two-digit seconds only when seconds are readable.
10.36
